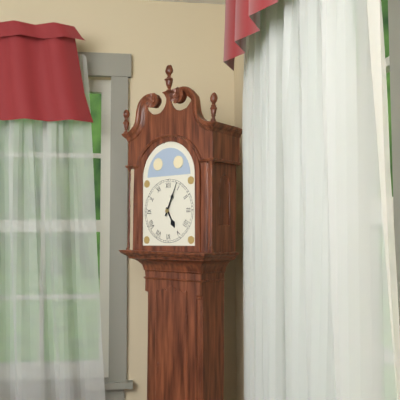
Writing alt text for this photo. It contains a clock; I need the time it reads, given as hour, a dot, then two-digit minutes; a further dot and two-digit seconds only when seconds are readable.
5.04
